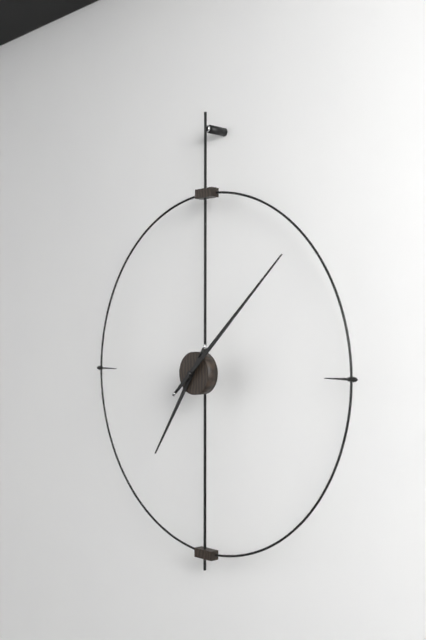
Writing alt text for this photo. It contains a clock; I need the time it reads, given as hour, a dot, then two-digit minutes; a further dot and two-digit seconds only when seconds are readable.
7.08
